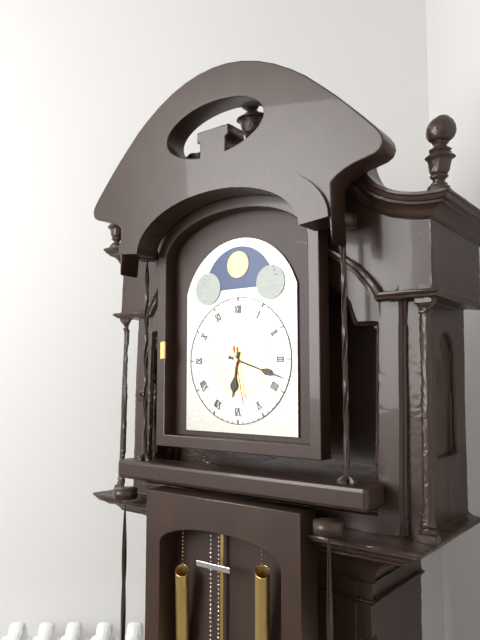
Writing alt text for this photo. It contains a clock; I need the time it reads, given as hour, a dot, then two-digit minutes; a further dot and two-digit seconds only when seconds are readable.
6.18.28
